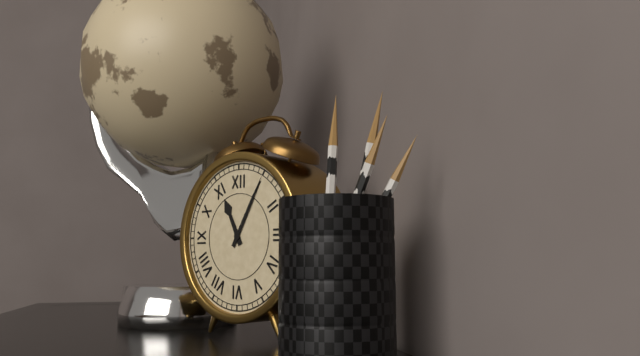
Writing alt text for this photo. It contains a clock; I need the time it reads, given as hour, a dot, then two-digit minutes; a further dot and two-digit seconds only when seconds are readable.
11.05
